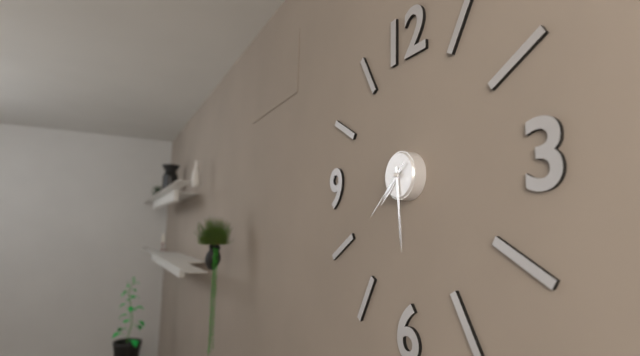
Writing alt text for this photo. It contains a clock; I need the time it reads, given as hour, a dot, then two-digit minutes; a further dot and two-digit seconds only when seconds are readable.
7.29.38
